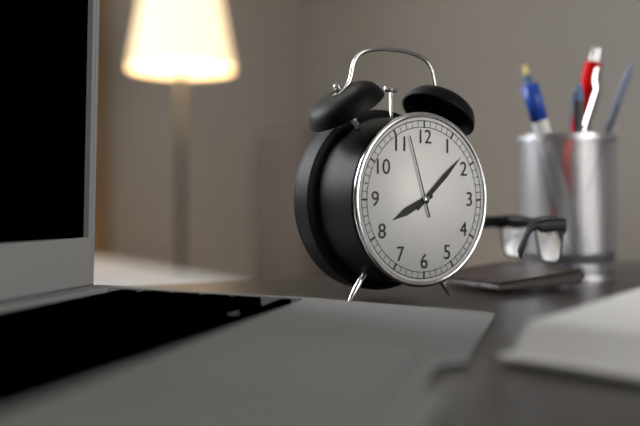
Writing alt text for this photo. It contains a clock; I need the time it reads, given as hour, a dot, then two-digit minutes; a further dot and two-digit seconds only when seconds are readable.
8.08.57
